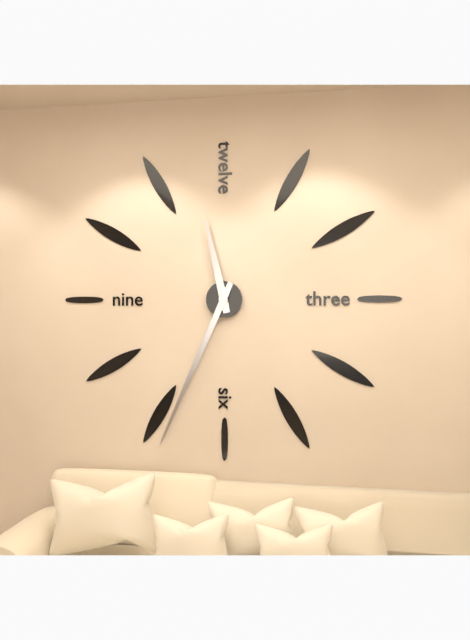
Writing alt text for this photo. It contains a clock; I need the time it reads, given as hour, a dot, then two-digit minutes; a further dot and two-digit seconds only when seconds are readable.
11.34
